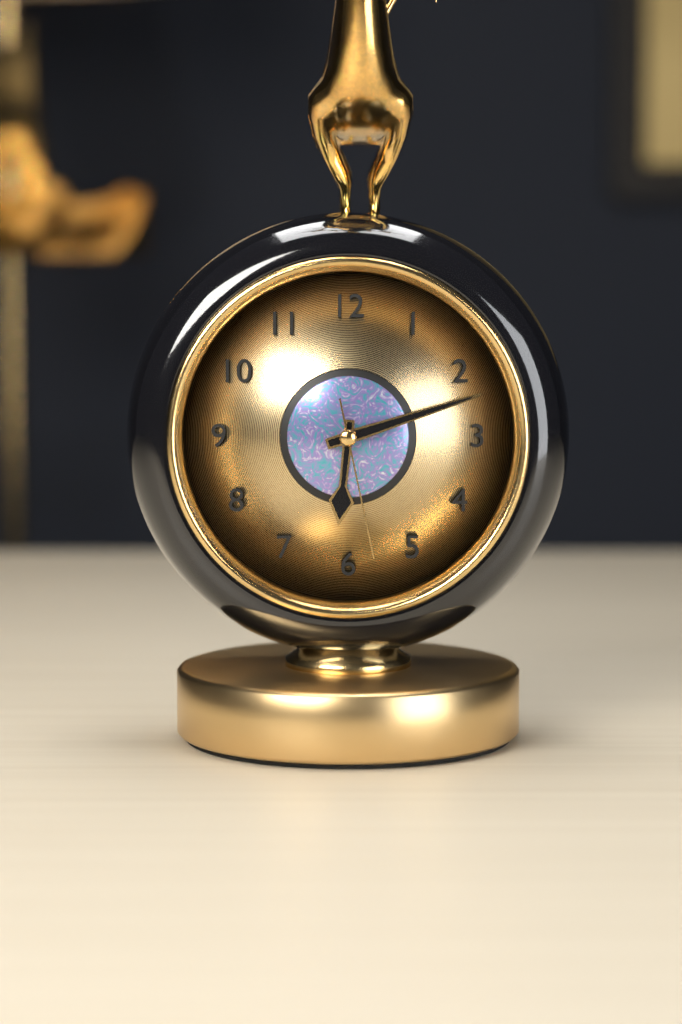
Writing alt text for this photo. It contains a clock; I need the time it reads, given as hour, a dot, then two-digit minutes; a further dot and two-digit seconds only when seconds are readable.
6.12.28
